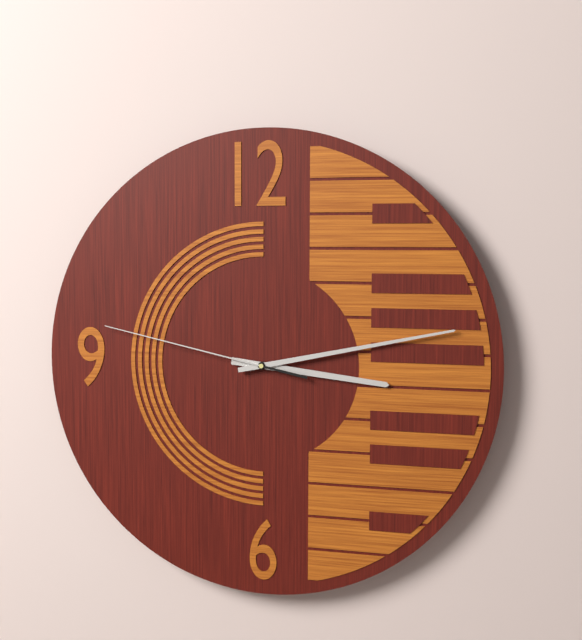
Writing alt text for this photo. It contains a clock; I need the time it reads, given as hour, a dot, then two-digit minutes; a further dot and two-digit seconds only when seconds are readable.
3.13.47
